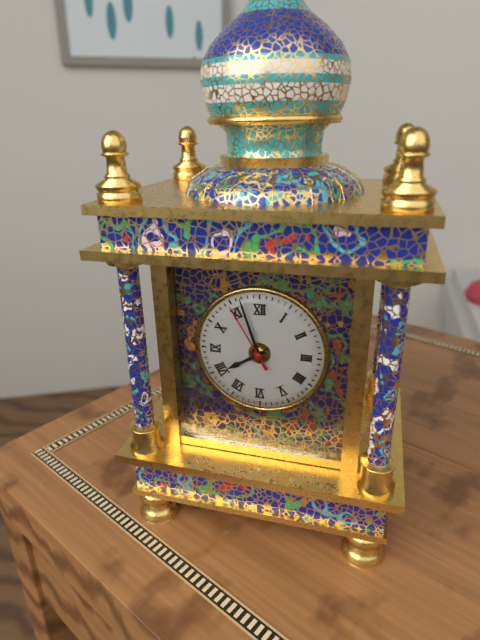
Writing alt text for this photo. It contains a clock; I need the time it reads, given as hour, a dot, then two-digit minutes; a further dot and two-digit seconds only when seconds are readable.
7.57.55
